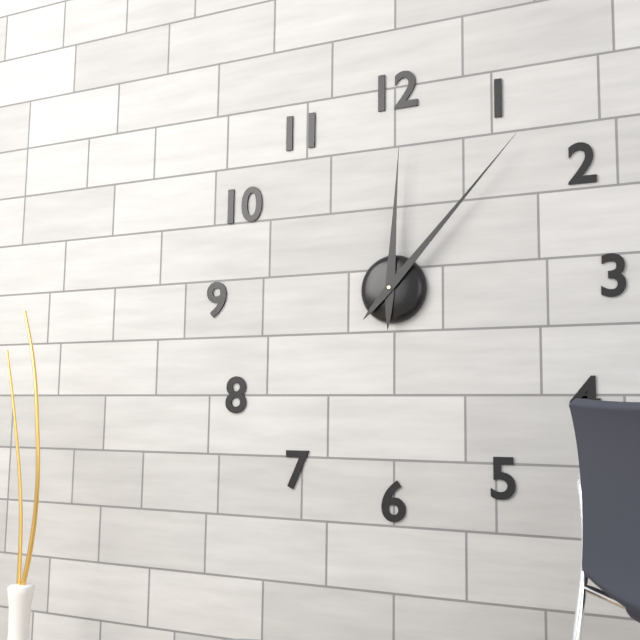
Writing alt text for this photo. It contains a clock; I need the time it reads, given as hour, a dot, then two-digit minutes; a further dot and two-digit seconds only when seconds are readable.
12.07
